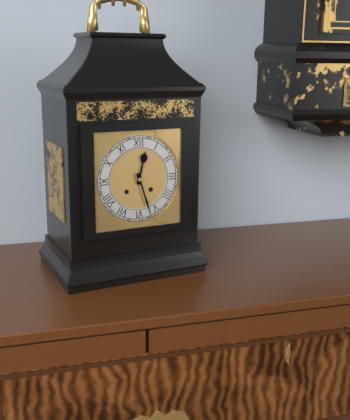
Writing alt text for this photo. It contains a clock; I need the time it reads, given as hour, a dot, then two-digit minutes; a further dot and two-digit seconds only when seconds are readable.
12.27
